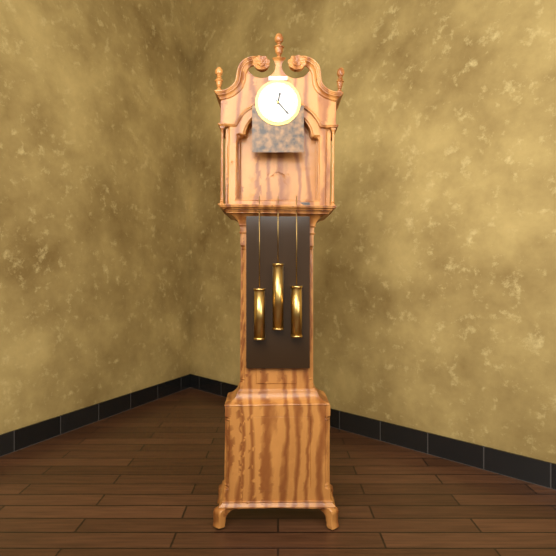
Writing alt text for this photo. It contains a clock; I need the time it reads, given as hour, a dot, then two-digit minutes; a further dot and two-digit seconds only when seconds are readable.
12.23
